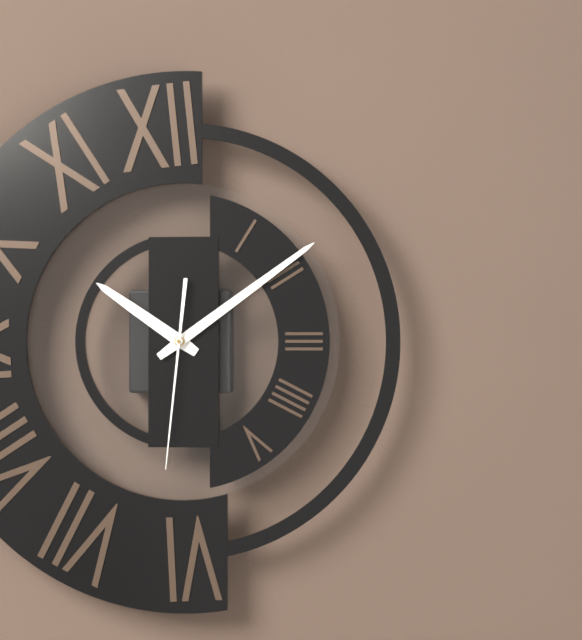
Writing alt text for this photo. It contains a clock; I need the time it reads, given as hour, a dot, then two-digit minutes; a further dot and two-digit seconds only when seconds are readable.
10.09.31
